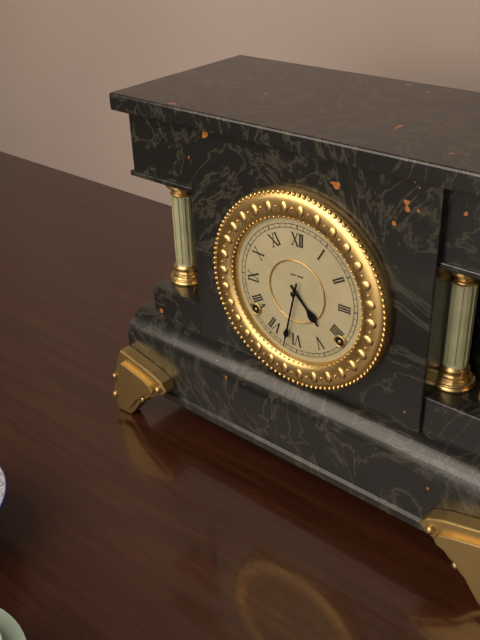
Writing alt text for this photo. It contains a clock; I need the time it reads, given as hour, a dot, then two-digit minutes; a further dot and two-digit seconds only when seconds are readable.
4.32
